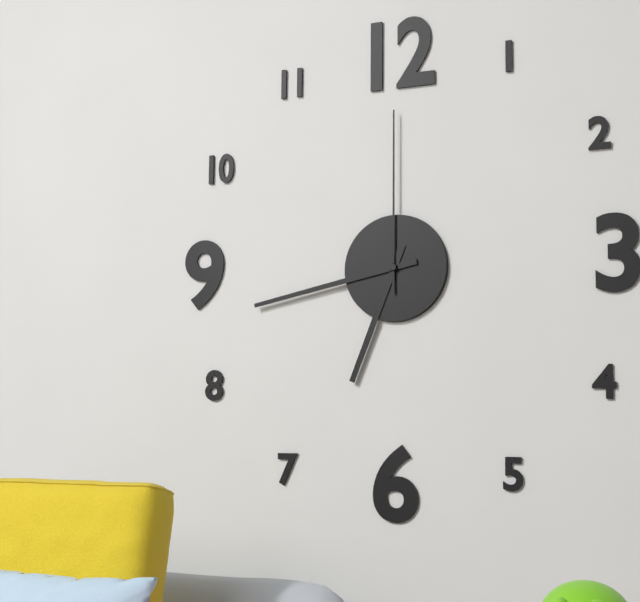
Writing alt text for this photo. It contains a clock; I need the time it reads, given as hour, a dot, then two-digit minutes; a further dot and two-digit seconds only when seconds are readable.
6.43.00
